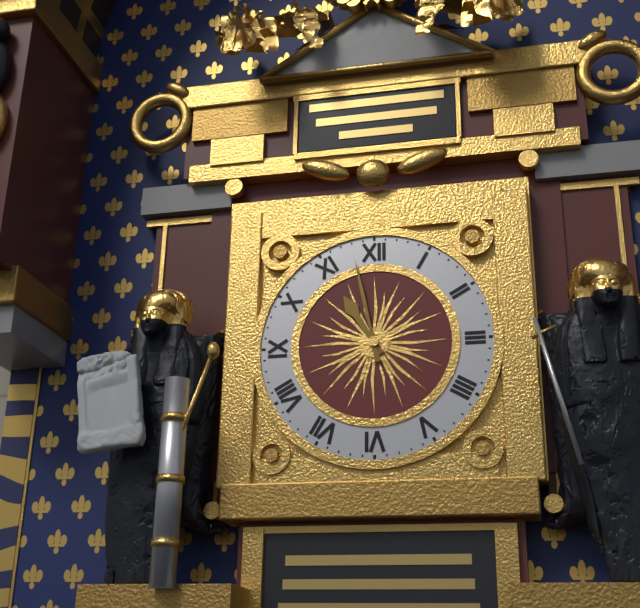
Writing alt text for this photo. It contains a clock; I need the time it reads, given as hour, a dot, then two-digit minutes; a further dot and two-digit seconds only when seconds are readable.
10.58
